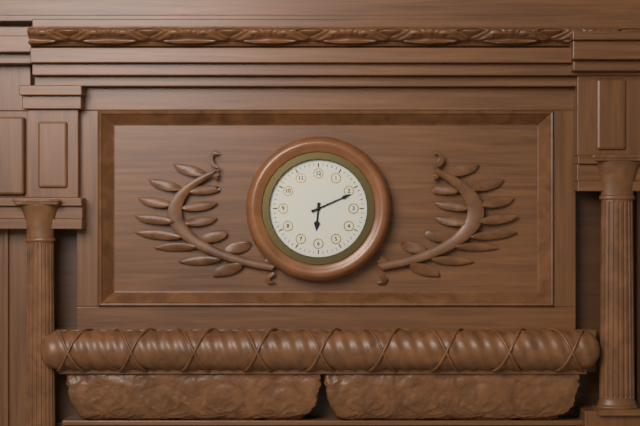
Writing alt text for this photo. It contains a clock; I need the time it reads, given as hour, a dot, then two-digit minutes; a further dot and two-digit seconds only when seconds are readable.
6.11
